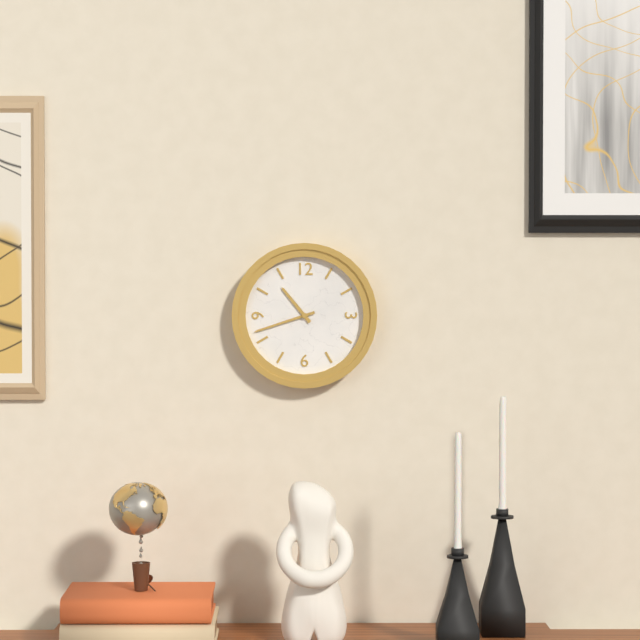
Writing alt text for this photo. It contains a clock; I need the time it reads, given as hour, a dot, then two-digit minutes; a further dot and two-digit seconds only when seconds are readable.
10.42
